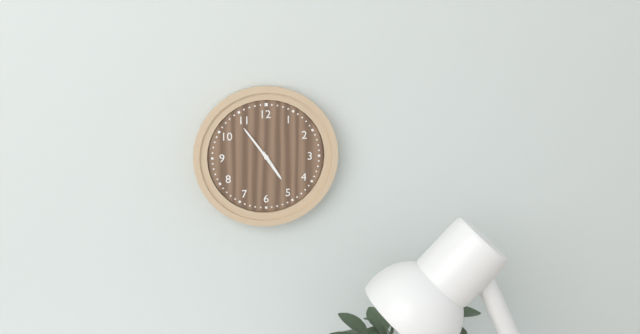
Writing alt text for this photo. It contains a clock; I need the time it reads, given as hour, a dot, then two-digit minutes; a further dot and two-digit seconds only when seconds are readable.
4.54
